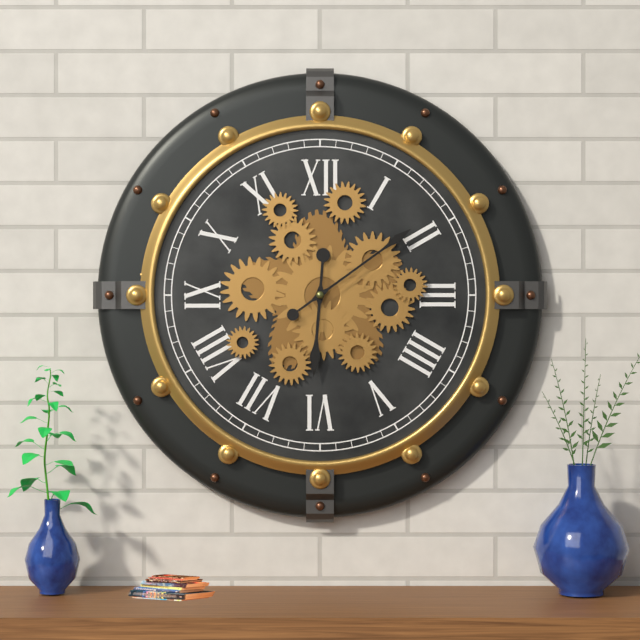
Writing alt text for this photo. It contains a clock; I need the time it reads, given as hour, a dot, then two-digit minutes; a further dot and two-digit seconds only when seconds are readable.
6.09
